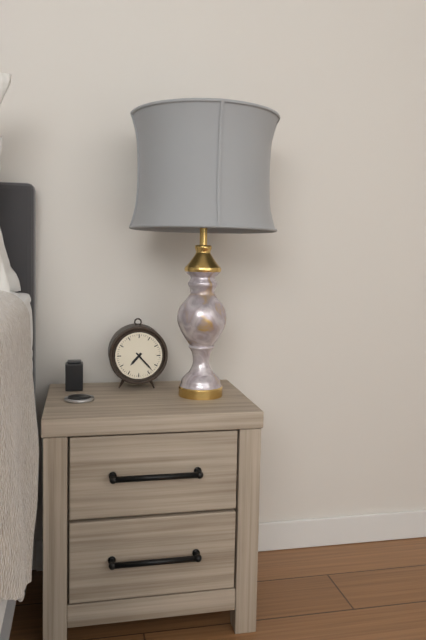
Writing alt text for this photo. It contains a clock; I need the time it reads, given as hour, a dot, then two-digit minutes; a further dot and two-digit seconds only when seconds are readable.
7.23
